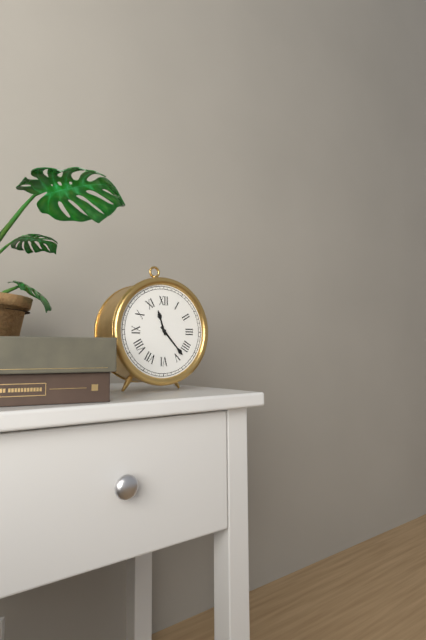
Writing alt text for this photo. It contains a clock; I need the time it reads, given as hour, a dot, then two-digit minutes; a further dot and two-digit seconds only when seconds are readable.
11.23
